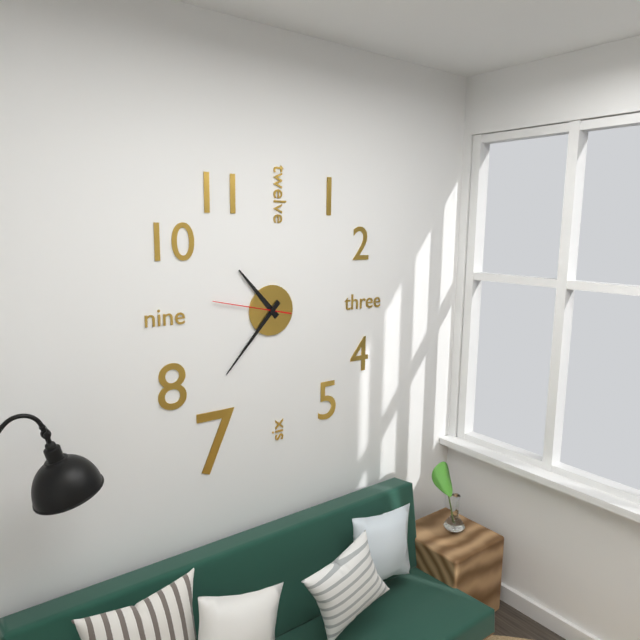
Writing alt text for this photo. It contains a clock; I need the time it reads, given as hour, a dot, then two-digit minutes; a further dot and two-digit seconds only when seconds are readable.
10.37.47
